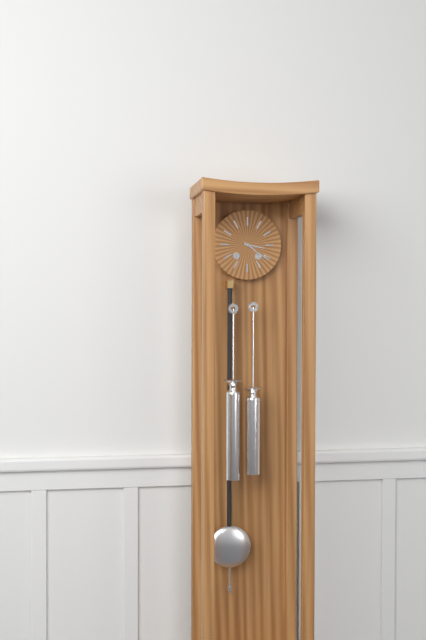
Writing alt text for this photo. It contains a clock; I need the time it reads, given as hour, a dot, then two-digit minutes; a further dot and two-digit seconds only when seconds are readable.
3.21
